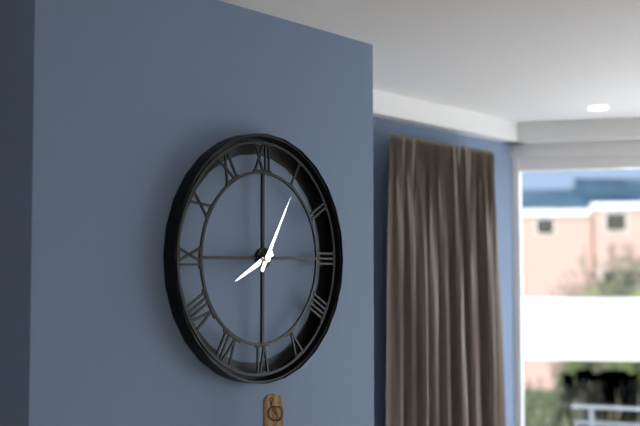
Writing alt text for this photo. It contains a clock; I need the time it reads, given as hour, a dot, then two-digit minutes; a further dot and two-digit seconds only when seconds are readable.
8.05
